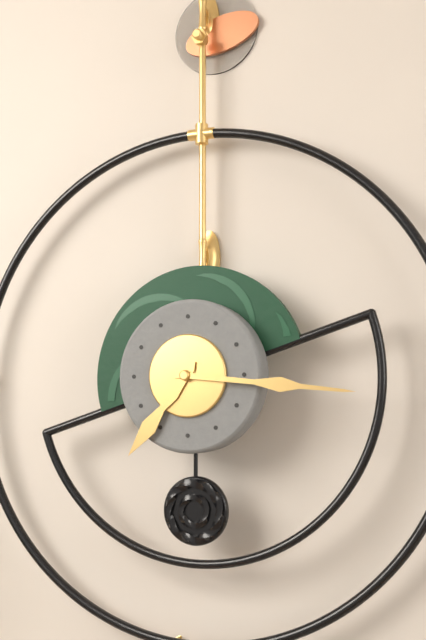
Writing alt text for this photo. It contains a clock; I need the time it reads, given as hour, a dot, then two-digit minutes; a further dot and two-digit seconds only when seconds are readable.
7.16
